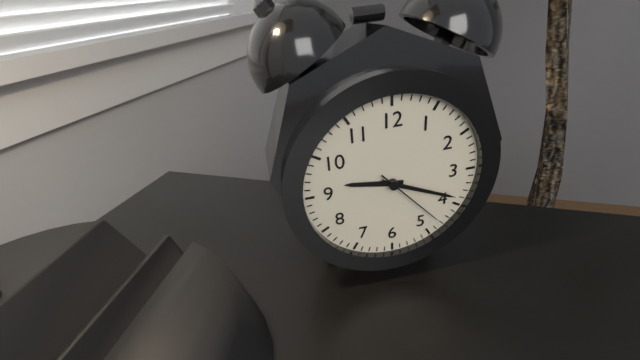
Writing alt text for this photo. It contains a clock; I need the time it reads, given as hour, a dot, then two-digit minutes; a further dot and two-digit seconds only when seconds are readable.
9.19.23
